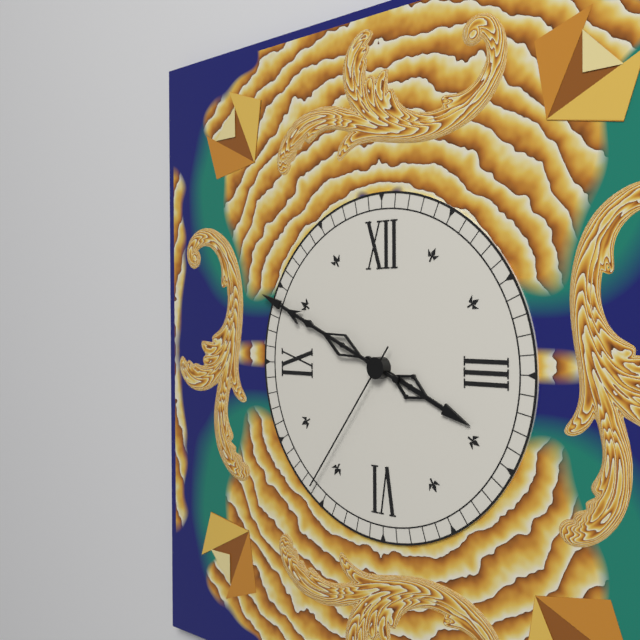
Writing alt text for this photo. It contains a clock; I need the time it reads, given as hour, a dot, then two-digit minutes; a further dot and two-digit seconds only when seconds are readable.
3.49.36
